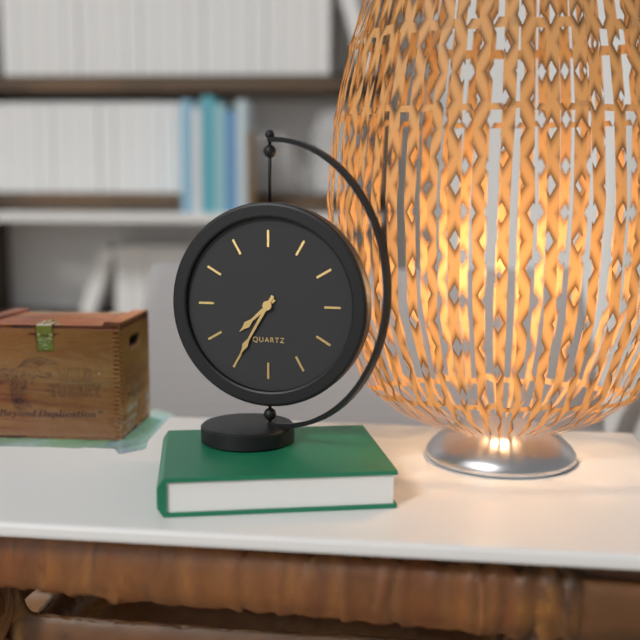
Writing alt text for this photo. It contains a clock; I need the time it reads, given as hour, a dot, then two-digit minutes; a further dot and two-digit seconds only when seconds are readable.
7.35
